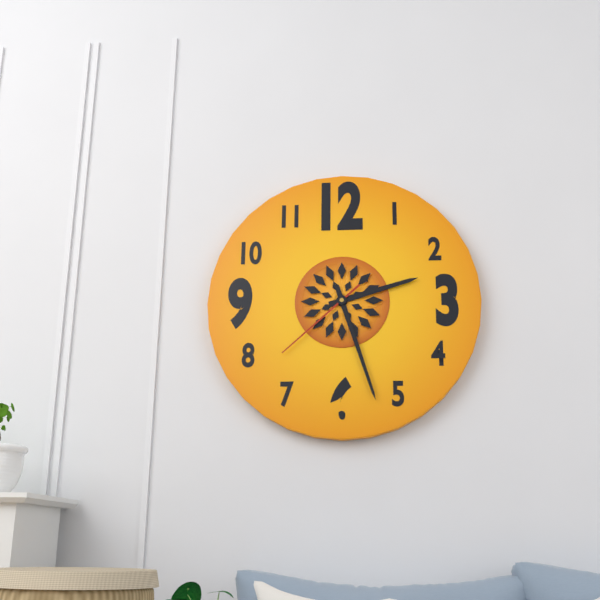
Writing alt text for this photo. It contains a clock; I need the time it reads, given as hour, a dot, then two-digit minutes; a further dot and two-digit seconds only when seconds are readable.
2.27.38
